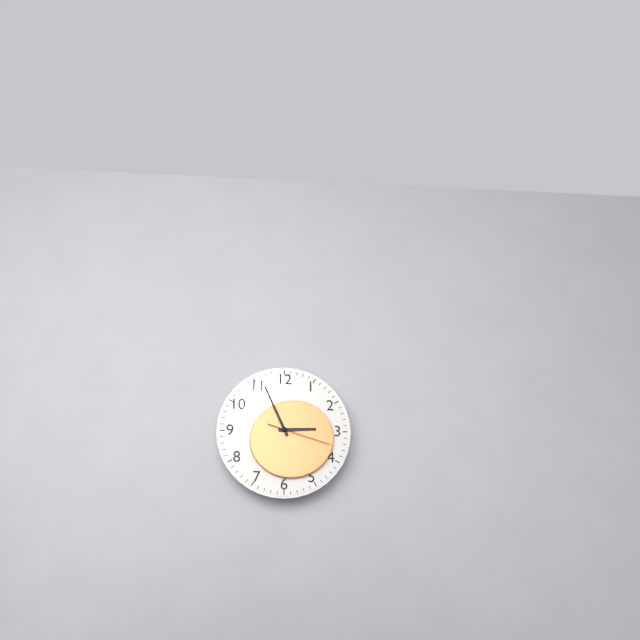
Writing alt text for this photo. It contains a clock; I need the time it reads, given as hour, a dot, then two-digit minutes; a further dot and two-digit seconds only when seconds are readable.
2.56.18
